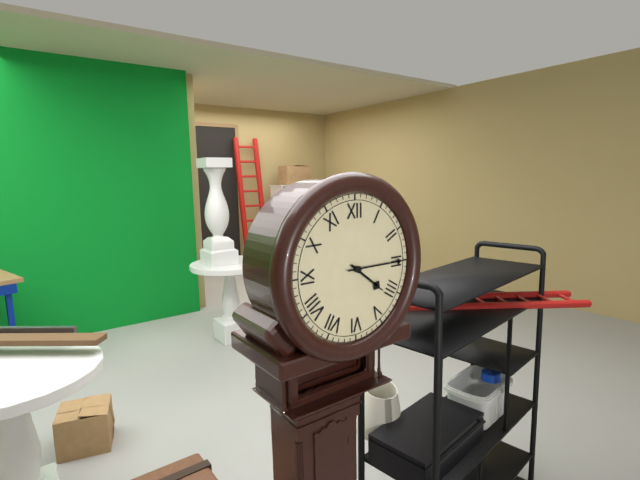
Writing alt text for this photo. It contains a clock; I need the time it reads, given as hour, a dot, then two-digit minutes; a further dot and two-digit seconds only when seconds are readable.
4.15
